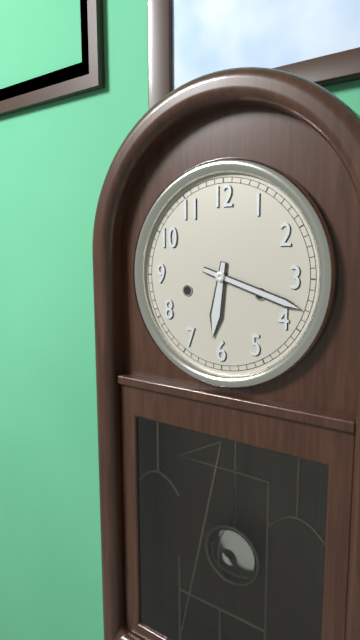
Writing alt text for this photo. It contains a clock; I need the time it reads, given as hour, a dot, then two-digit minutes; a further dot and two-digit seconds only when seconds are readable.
6.18
